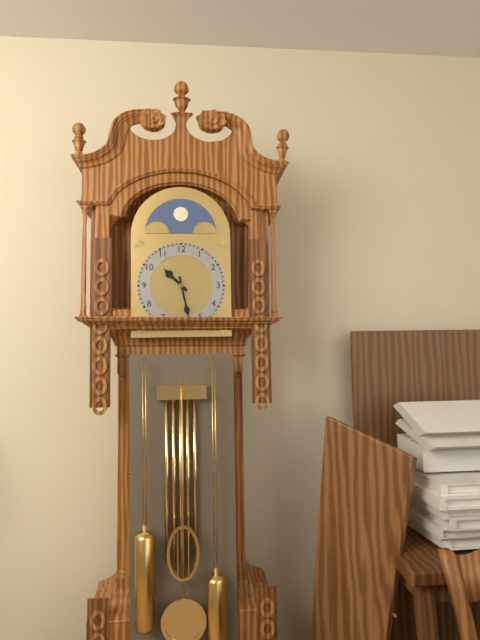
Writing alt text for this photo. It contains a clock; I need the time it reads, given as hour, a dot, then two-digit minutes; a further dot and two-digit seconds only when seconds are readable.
10.28
